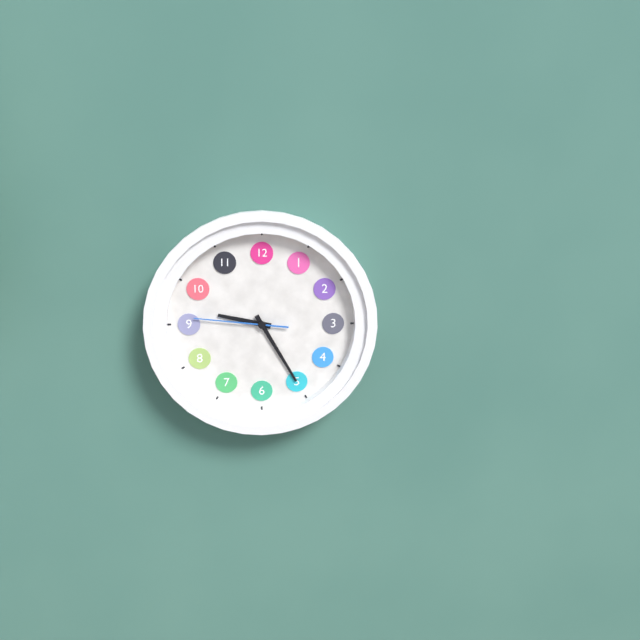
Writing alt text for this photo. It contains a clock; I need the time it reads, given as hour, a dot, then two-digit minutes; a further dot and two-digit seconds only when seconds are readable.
9.25.46
